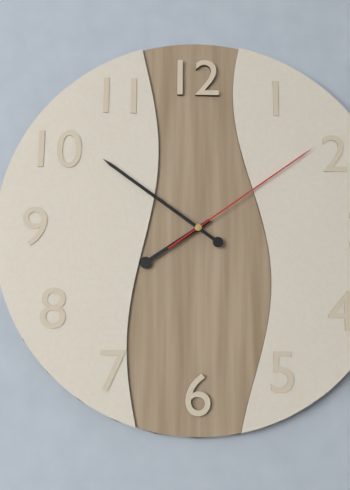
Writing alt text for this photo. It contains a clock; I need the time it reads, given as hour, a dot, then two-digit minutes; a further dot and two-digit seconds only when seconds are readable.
7.51.09
